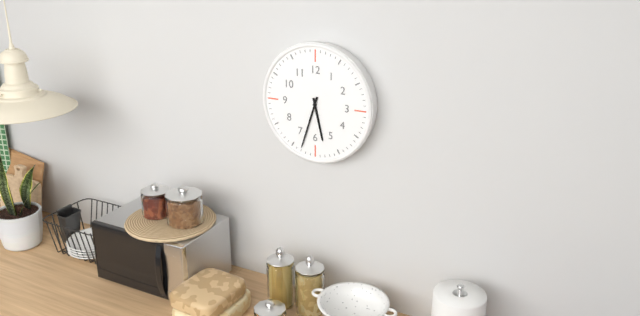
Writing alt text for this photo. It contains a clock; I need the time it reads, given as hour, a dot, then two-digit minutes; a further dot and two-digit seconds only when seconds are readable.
5.33
